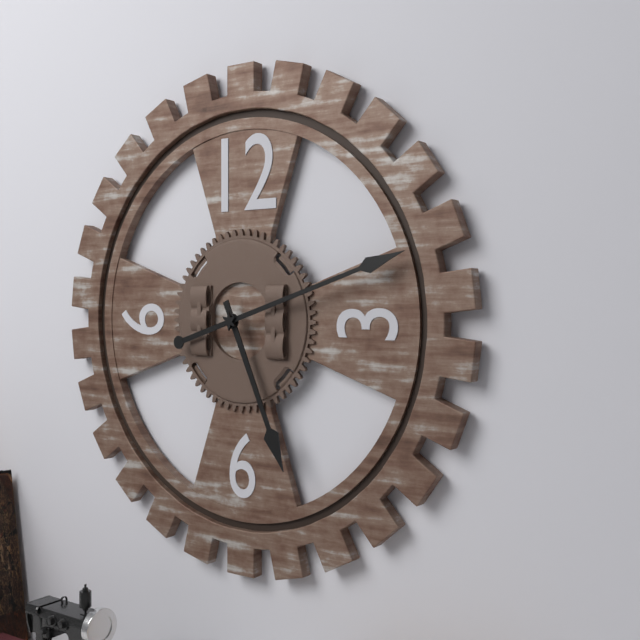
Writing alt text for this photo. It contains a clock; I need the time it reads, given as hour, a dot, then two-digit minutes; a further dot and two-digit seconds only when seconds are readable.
5.12
